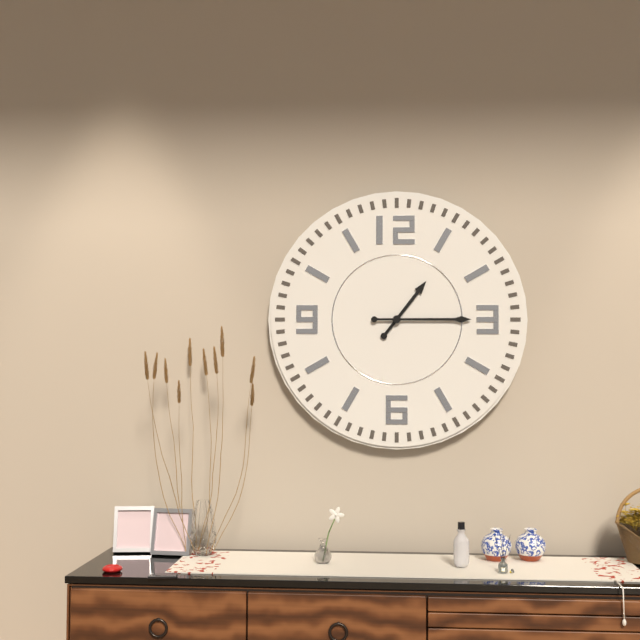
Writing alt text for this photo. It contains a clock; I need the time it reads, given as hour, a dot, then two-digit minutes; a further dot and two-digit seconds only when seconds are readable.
1.15
